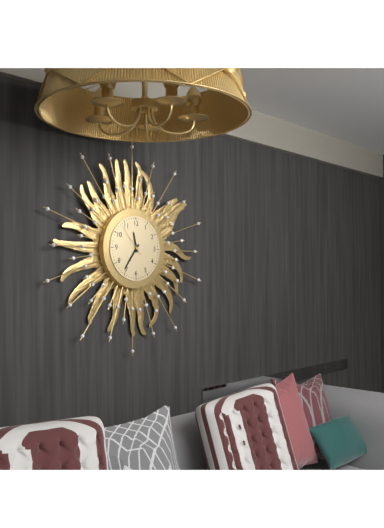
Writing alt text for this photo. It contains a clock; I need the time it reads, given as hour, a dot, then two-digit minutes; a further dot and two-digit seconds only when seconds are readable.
11.36
